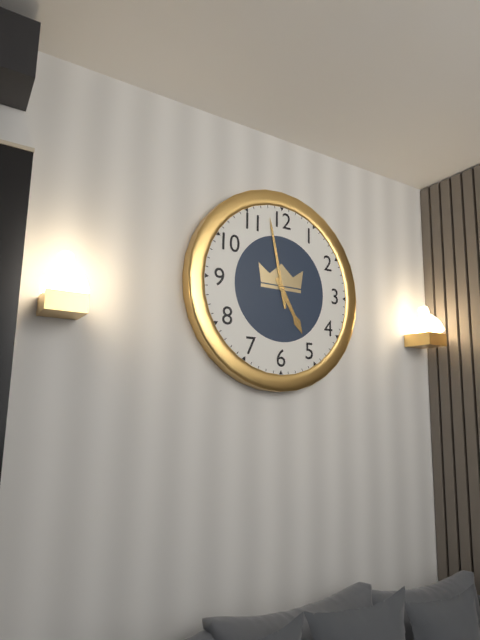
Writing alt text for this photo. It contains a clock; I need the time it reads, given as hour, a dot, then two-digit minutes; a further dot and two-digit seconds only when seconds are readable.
4.58
